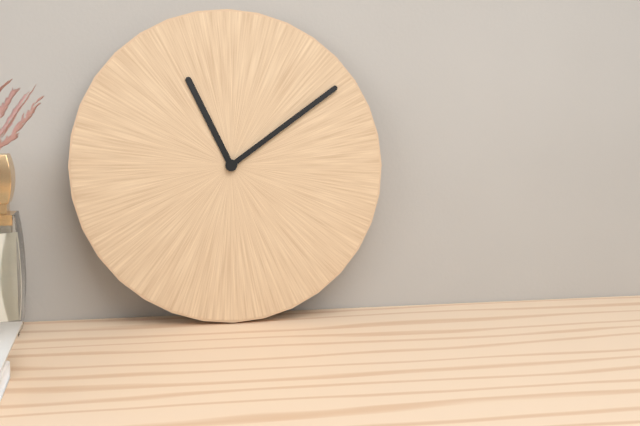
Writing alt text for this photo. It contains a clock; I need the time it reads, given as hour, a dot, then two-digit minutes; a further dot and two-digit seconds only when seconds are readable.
11.09
